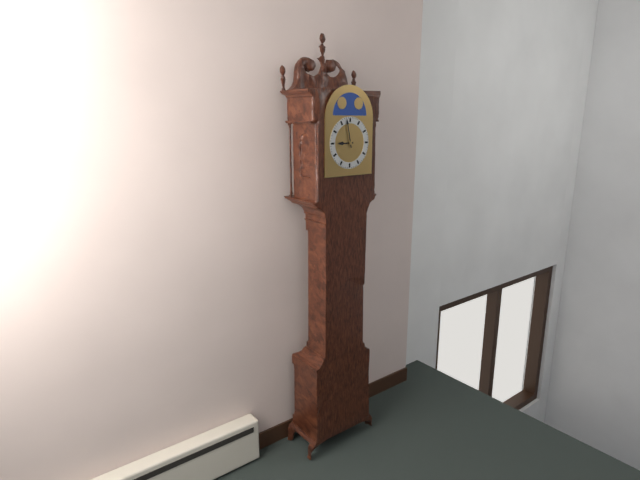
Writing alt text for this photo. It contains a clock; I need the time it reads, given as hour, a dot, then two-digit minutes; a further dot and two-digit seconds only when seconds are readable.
8.58
